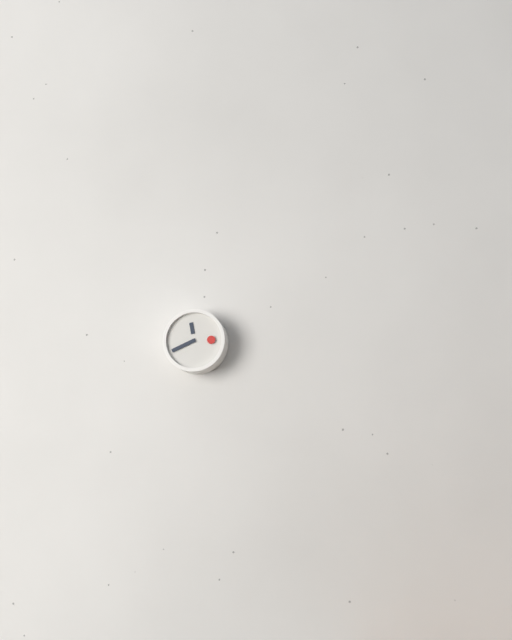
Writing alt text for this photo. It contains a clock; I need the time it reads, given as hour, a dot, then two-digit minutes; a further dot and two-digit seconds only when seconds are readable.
11.41
